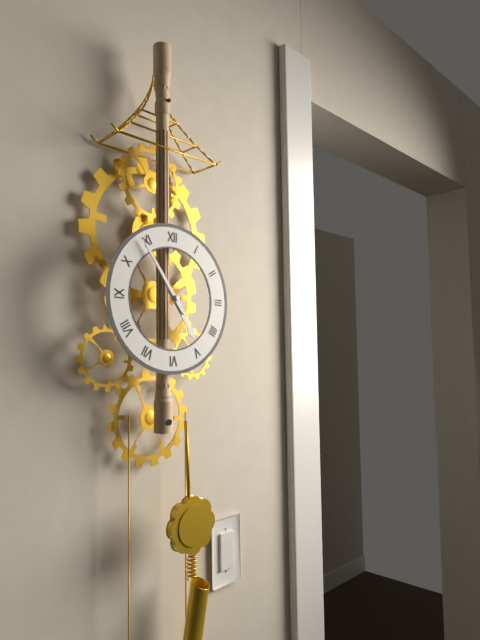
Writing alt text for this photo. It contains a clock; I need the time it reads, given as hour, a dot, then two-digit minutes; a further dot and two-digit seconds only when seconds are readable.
4.54
